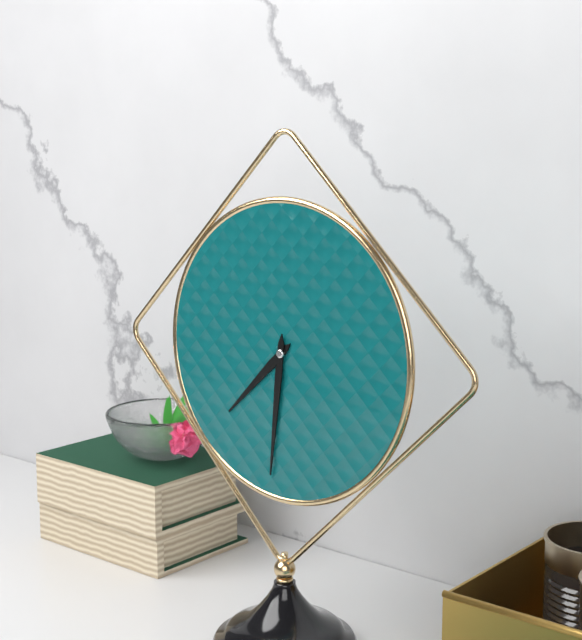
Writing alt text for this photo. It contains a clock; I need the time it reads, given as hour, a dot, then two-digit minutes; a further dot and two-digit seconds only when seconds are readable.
7.31
